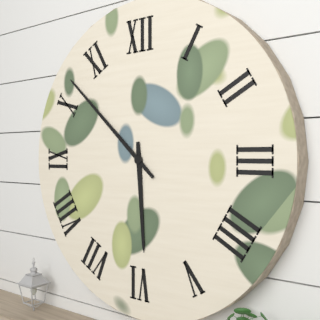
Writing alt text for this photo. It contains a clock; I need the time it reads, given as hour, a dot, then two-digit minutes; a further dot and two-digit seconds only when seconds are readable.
5.52
